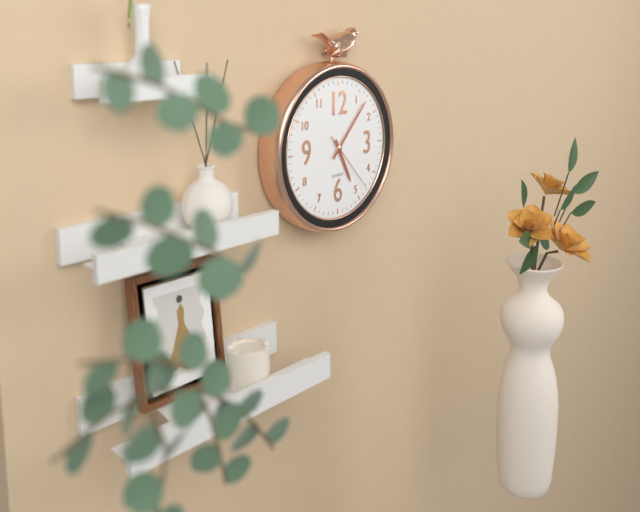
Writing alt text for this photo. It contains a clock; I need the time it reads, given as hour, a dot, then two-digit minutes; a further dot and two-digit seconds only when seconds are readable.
5.07.23
